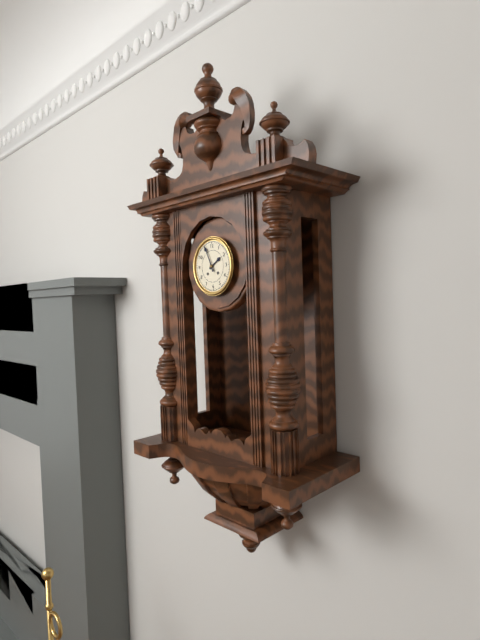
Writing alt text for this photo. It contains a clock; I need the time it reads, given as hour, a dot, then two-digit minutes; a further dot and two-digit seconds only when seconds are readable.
1.56
